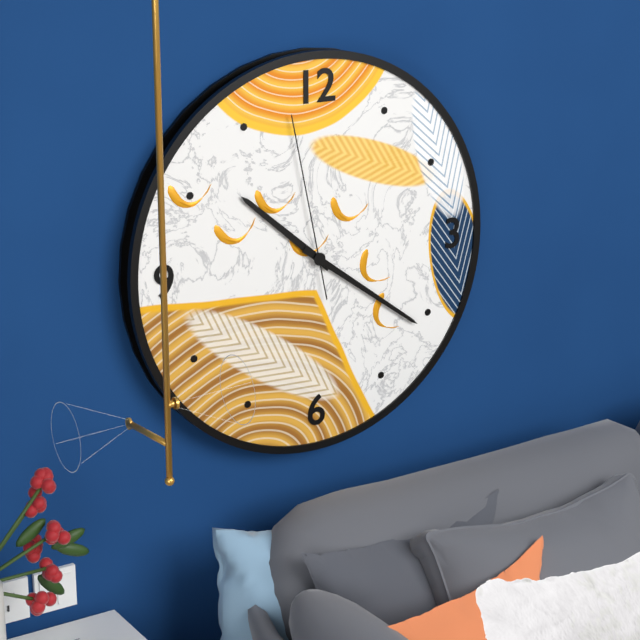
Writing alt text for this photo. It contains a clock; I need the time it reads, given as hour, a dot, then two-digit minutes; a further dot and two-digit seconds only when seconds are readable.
10.21.58
